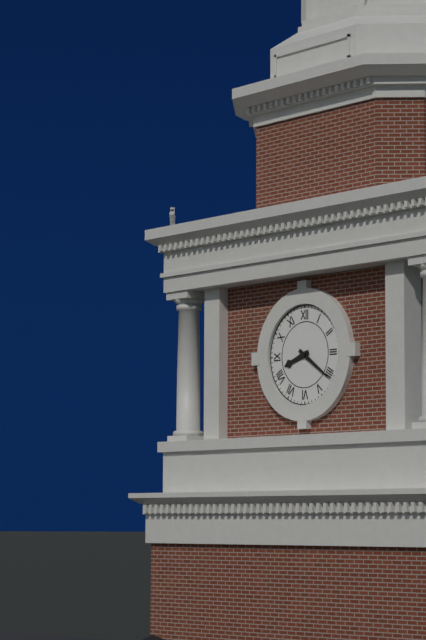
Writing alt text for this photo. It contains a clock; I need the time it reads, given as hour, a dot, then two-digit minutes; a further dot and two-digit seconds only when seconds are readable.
8.21
